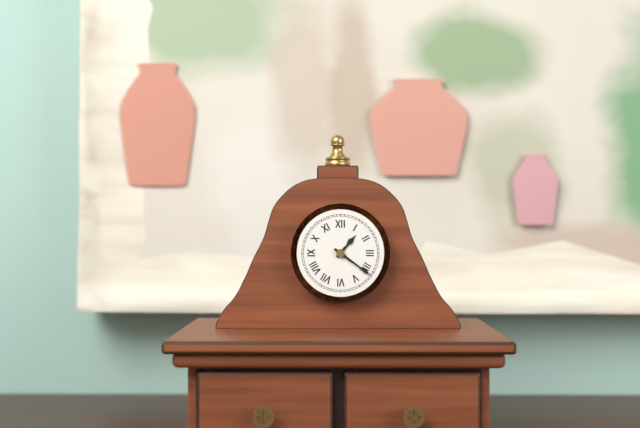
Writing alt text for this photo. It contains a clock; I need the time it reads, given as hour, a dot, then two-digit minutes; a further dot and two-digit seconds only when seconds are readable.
1.21
